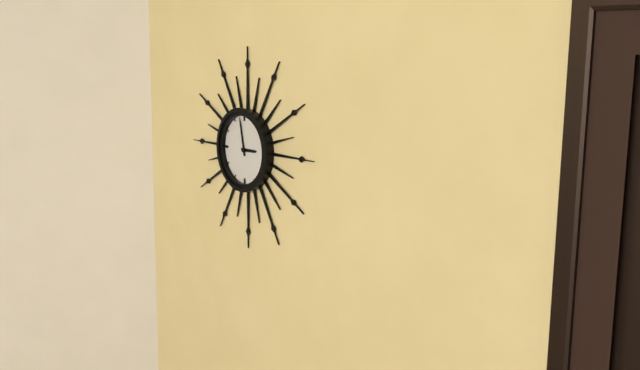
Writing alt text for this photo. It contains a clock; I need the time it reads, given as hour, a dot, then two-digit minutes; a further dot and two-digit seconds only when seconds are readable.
2.58
